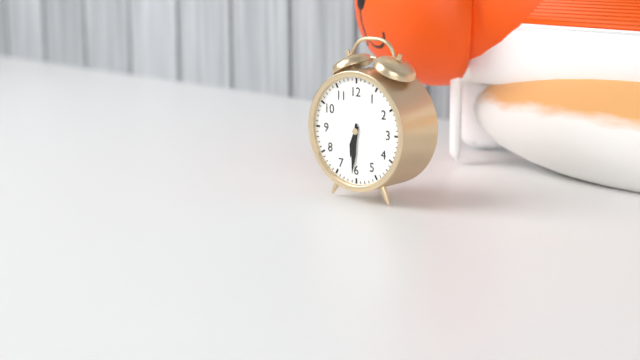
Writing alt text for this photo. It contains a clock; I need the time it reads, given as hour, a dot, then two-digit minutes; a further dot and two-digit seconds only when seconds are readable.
6.31
